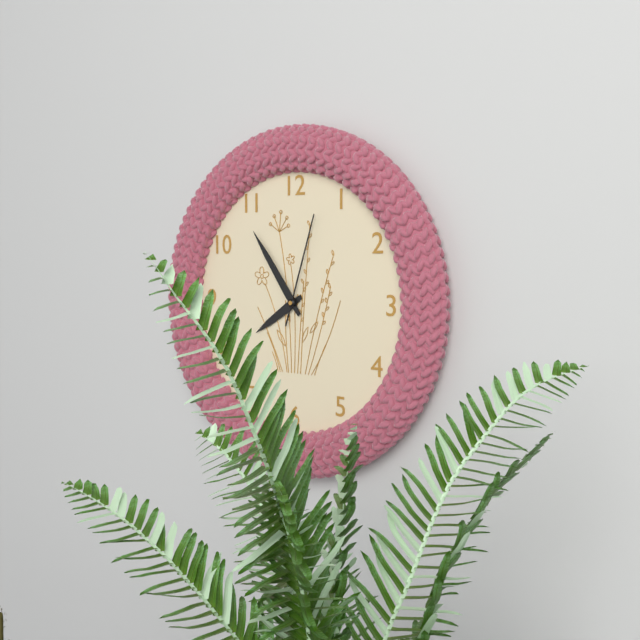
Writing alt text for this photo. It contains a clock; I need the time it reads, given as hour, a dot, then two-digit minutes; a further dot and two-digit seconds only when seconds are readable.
7.54.03
